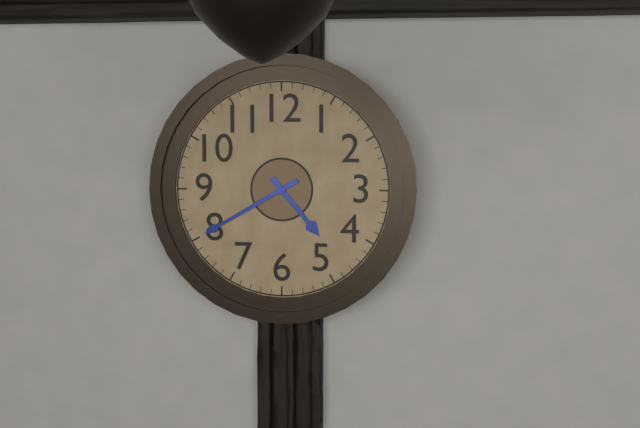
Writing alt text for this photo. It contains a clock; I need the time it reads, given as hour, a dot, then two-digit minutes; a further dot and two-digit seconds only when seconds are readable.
4.40
